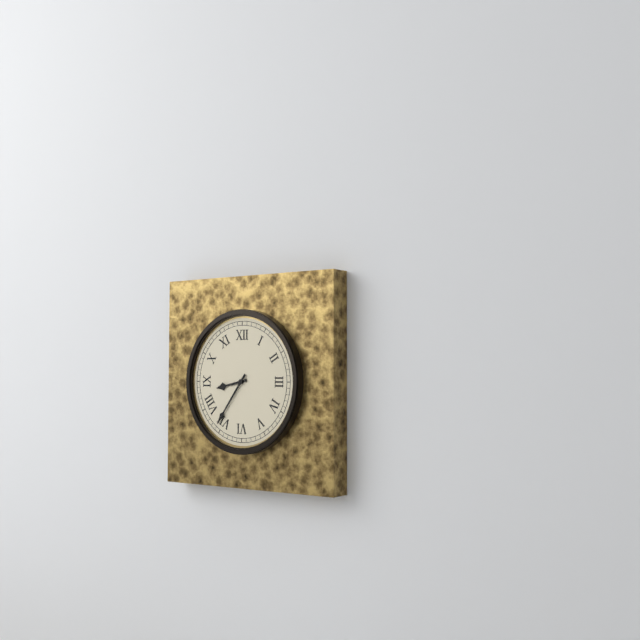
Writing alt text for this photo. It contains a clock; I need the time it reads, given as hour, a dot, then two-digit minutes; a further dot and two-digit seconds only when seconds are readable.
8.36
